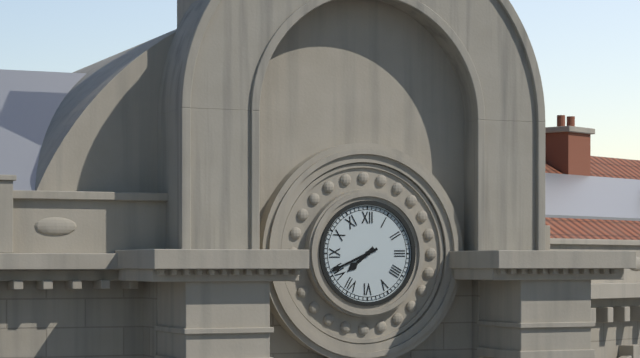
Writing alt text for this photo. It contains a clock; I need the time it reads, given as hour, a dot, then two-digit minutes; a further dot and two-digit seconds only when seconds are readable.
7.41
